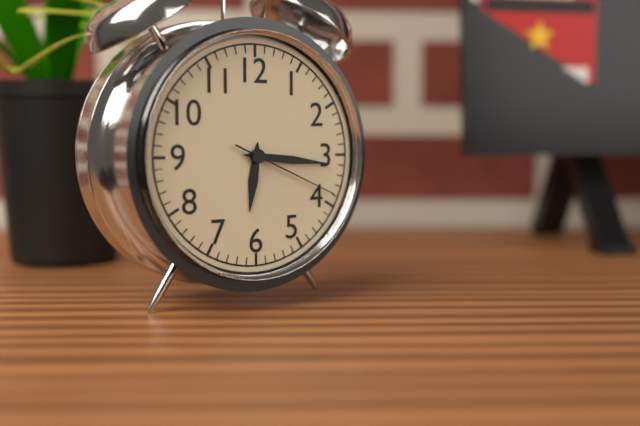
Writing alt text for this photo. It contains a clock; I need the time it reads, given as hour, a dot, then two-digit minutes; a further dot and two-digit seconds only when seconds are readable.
6.16.19
